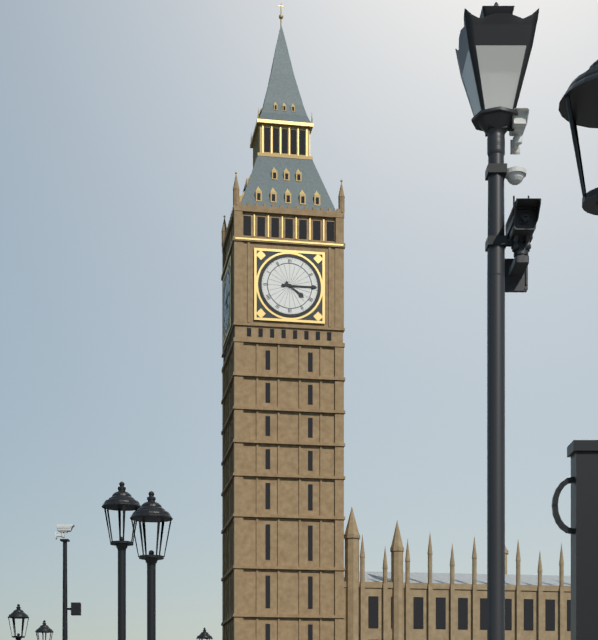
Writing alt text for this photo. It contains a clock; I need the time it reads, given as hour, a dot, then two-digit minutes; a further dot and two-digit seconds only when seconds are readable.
4.15
